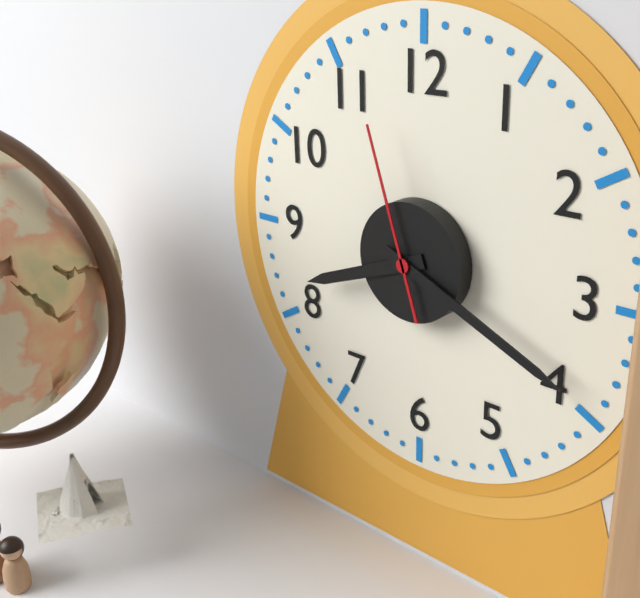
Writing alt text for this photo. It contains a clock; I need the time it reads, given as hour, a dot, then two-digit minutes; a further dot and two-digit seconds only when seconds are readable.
8.19.57
